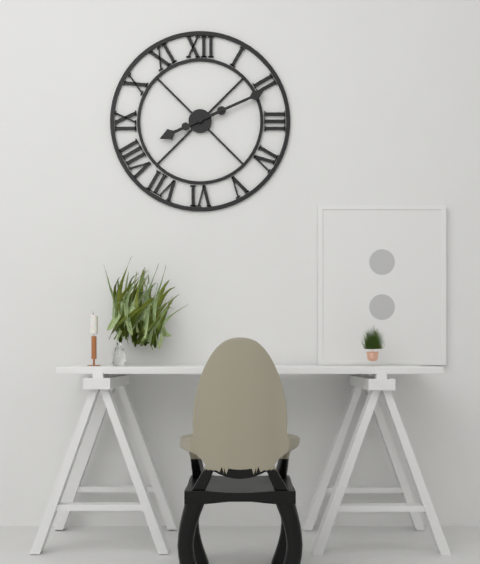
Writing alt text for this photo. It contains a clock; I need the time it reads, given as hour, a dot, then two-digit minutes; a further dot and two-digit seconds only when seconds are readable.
8.11
